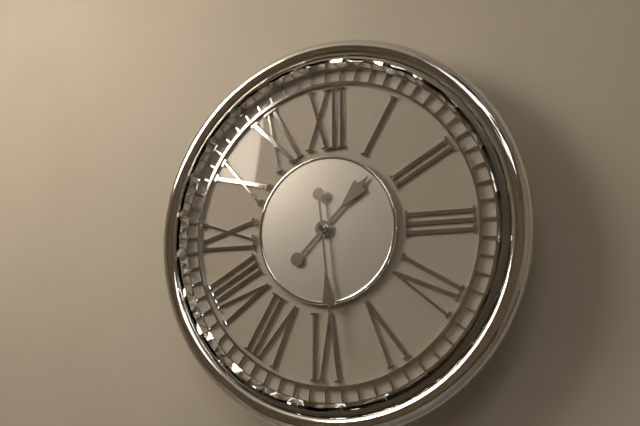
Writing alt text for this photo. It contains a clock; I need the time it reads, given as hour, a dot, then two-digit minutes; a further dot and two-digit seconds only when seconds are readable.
1.29
